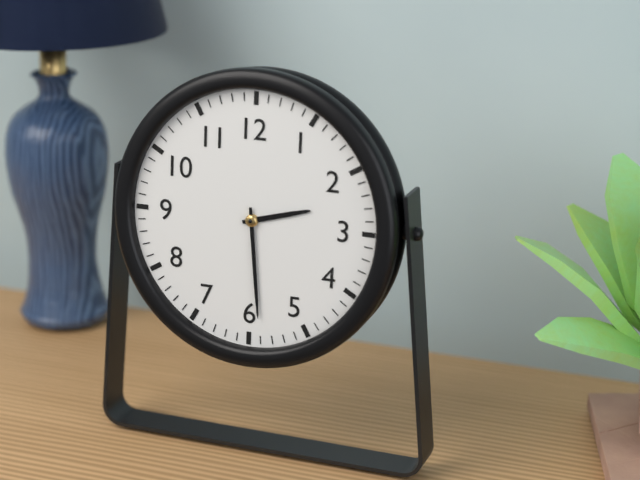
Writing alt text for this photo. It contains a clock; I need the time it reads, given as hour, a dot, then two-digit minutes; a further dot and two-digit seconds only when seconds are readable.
2.29
